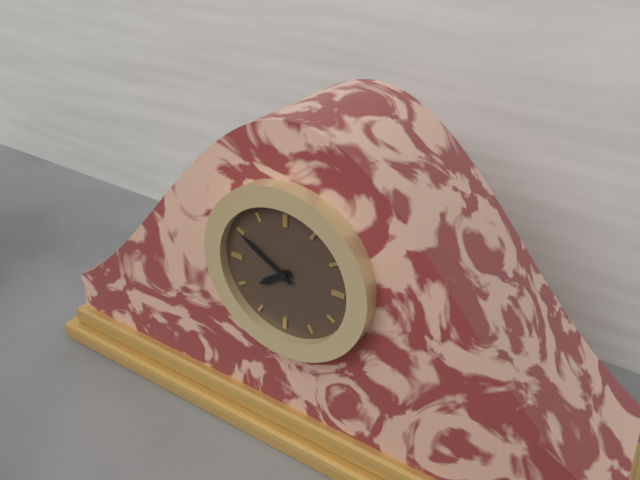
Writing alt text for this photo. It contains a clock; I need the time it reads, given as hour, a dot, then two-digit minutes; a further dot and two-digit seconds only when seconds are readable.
7.50
